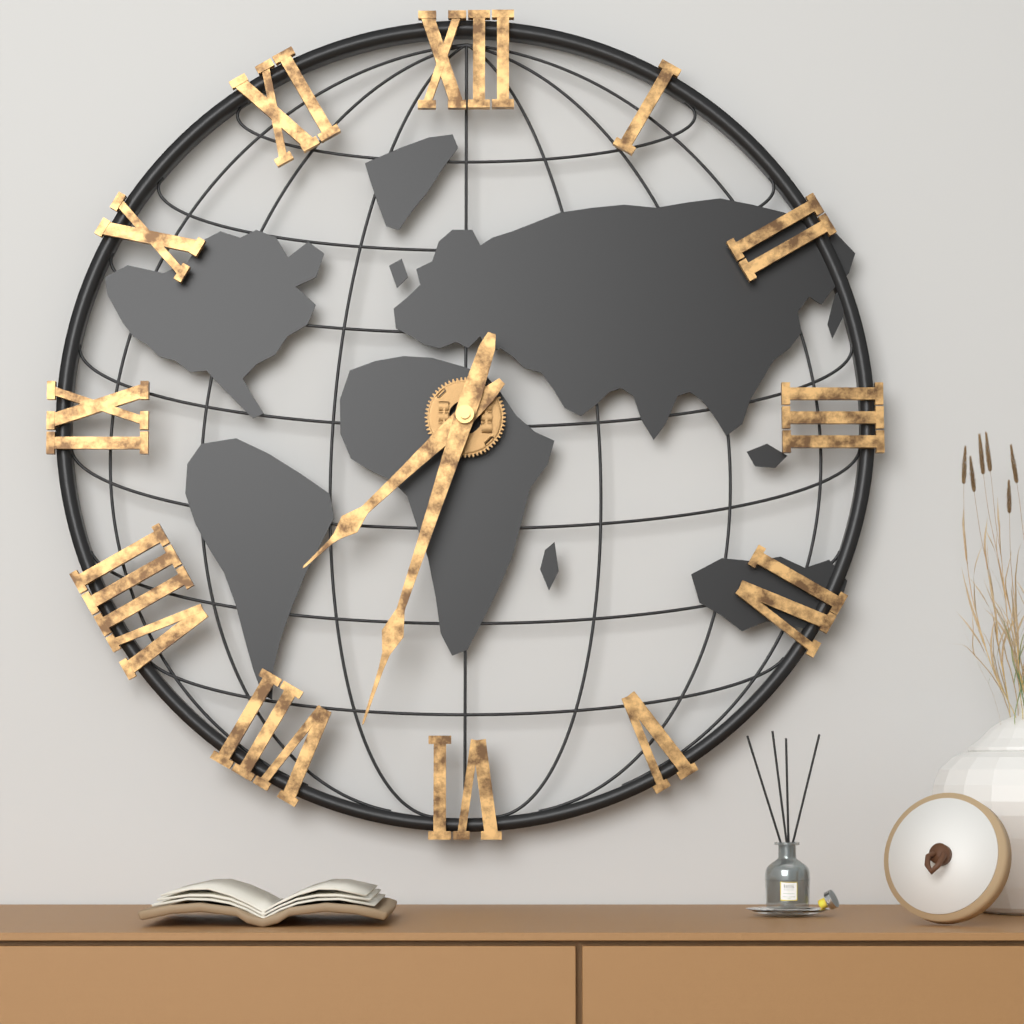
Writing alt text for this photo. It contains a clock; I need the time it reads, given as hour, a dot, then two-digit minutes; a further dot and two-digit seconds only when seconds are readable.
7.33
